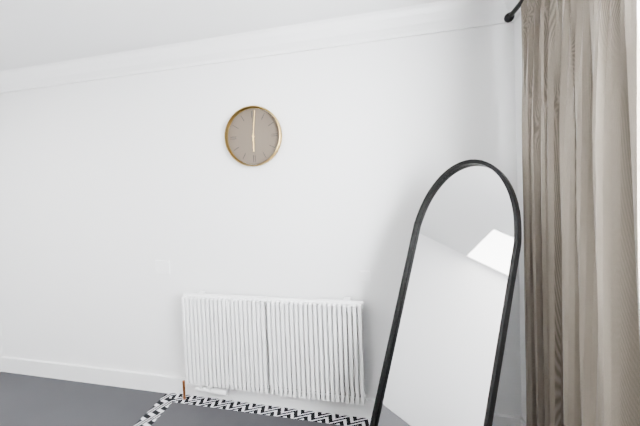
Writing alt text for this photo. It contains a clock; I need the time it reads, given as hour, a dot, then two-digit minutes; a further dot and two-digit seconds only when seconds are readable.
6.01
